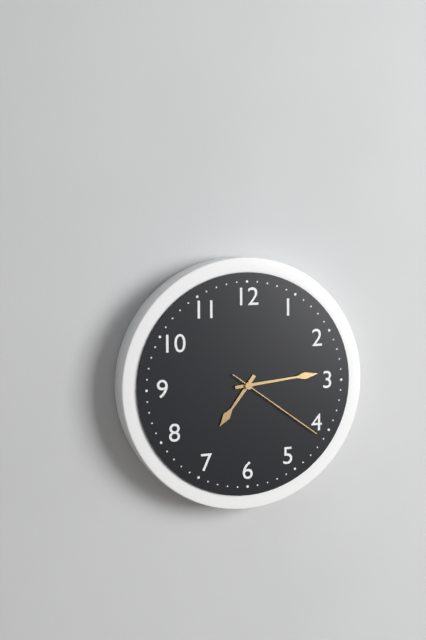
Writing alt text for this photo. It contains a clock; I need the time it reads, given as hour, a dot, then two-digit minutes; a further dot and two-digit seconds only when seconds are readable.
7.14.21
